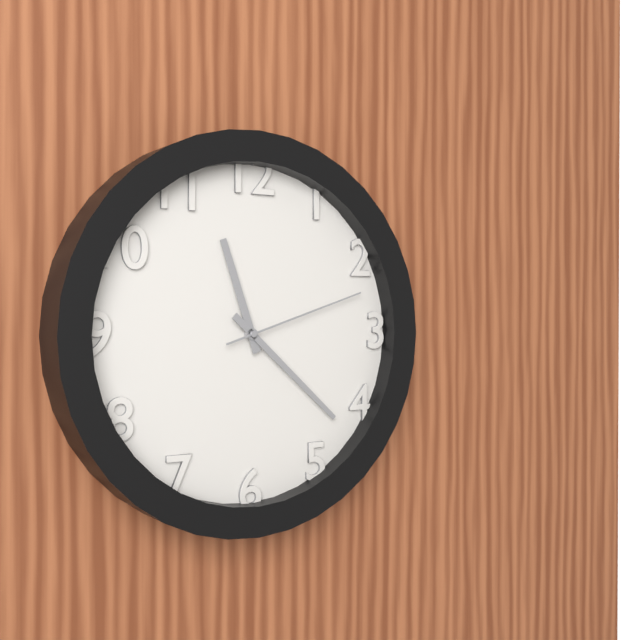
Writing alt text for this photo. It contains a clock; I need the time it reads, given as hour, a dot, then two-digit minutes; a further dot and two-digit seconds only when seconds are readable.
11.22.12
